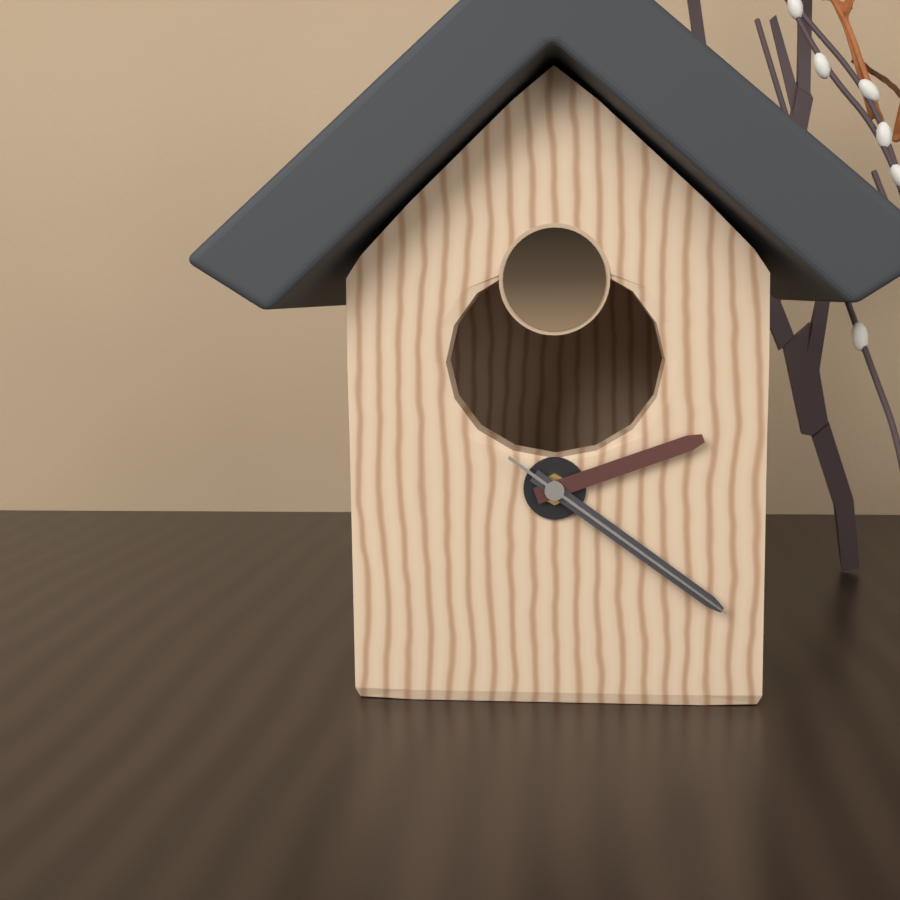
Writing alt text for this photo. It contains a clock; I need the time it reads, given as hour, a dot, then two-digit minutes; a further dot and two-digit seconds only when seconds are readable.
2.21.21
